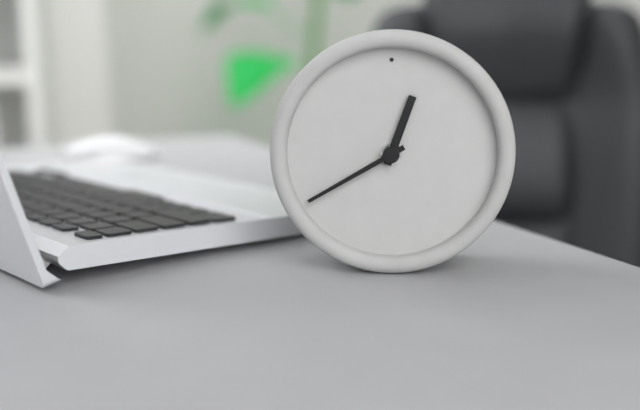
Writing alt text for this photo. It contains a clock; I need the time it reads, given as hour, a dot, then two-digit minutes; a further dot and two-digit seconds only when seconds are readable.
12.40
